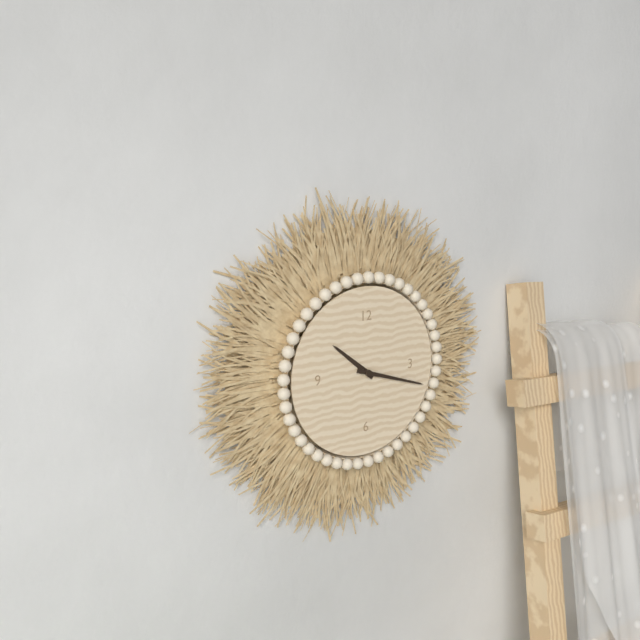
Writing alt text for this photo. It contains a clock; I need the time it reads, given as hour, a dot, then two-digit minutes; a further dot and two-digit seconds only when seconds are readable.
10.18
